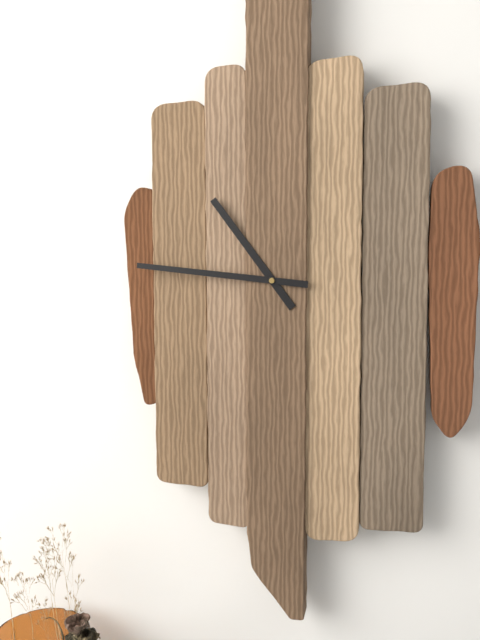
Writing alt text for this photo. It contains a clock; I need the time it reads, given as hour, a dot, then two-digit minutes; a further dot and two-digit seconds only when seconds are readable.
10.46
